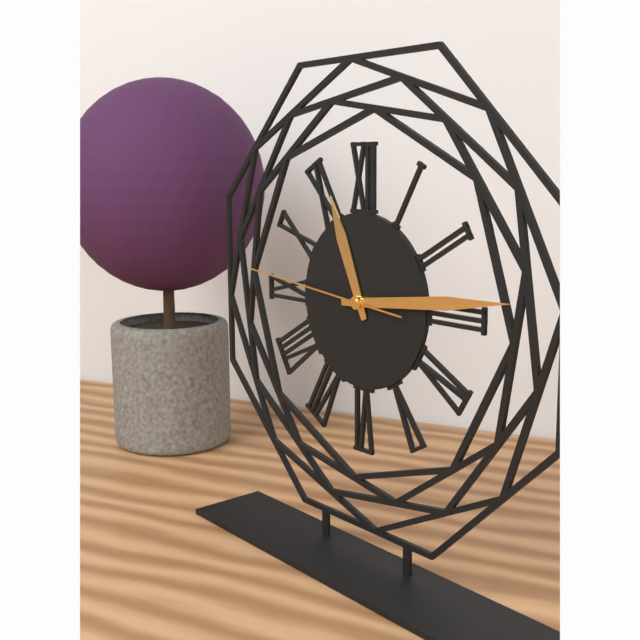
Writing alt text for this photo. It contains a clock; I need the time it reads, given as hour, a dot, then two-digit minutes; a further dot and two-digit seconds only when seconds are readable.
11.14.46
